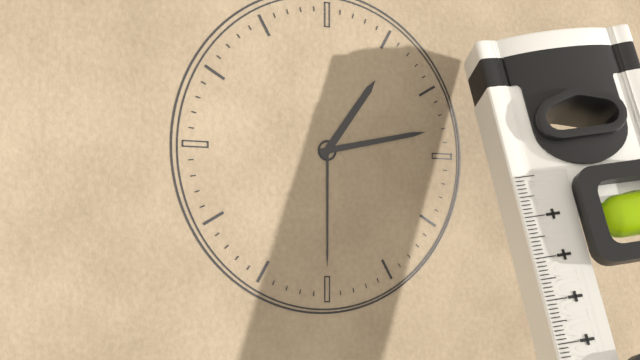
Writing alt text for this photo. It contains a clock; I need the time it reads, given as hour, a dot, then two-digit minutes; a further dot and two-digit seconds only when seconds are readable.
1.13.30
